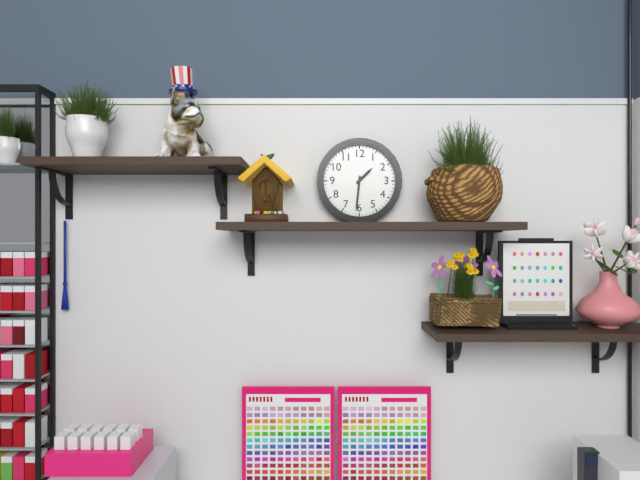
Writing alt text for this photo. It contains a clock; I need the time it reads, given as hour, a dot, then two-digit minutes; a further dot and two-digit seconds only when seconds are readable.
1.31
